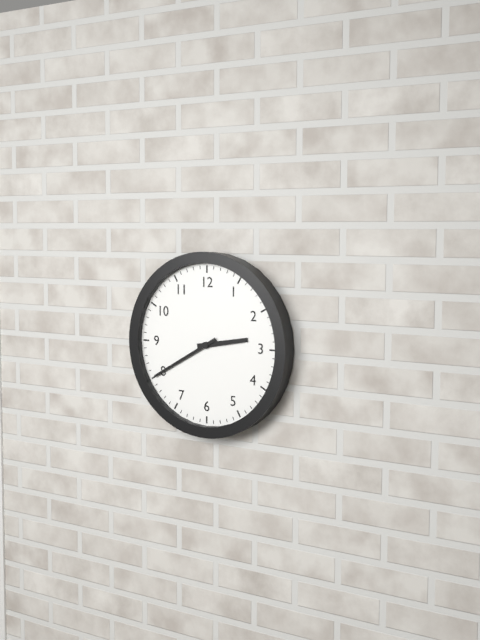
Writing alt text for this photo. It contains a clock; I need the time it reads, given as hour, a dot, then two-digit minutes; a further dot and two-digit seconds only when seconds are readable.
2.40
